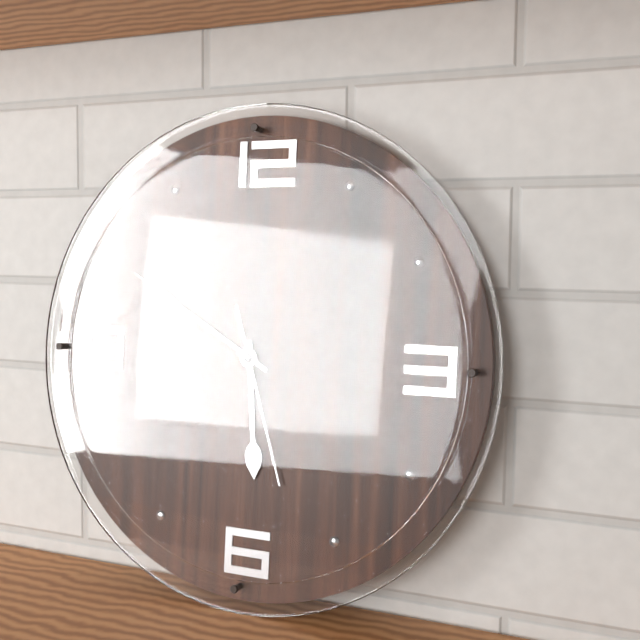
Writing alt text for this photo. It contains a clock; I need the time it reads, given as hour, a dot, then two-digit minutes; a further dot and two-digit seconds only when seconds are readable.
5.50.27
